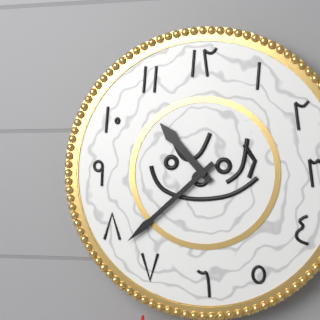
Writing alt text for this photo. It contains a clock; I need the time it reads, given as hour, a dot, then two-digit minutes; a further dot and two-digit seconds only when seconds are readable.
10.38
